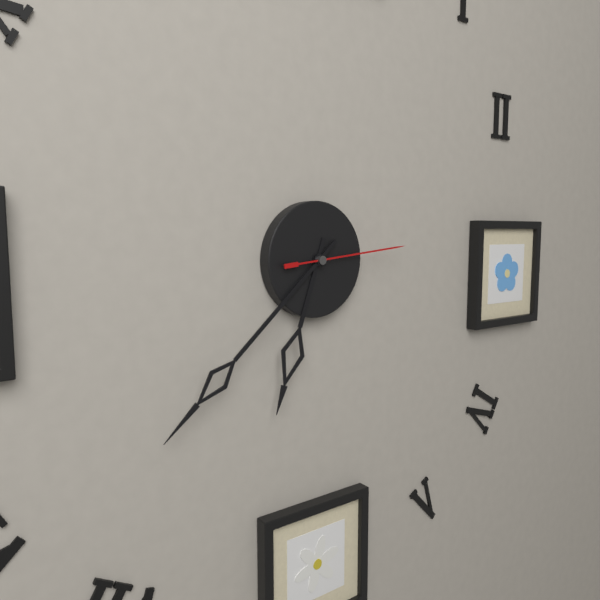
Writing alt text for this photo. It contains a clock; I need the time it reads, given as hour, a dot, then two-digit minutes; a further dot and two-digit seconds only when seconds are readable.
6.38.14
